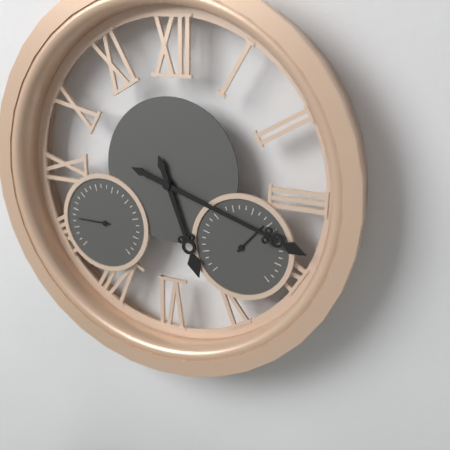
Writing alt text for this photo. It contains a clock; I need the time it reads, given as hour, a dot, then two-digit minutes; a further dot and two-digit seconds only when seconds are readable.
5.18
